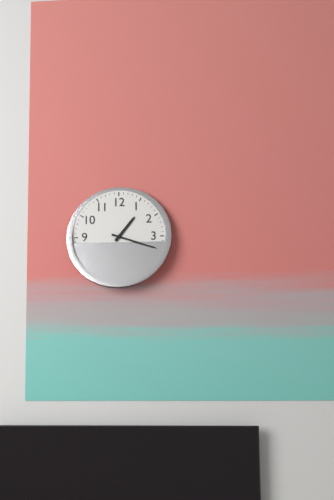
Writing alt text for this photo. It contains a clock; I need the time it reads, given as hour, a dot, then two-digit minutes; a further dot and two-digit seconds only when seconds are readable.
1.18
